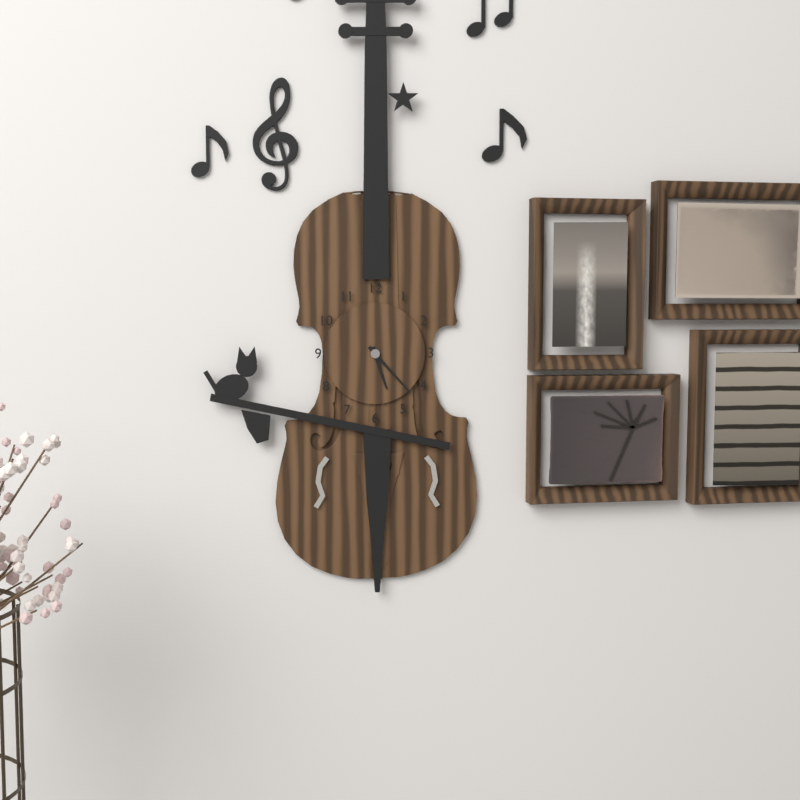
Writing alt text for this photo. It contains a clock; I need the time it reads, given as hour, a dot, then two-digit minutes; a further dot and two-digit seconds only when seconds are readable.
5.23
